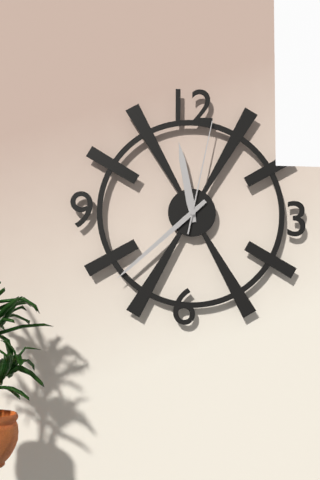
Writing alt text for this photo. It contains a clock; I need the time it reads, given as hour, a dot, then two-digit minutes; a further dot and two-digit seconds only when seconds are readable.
11.38.02
